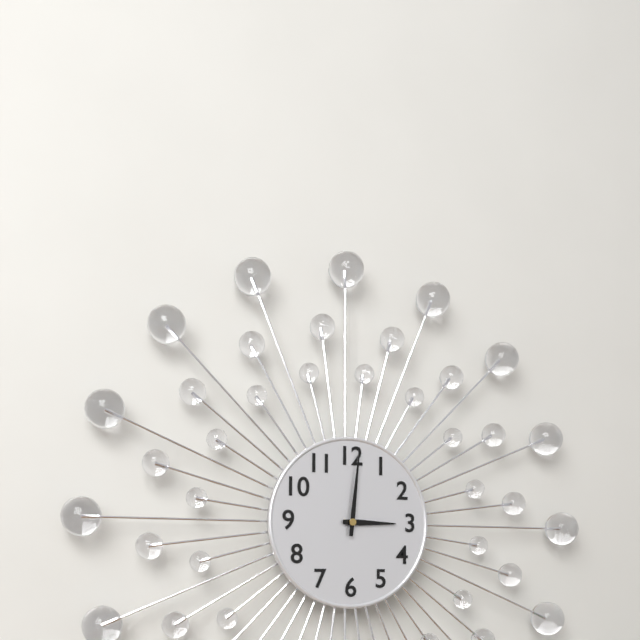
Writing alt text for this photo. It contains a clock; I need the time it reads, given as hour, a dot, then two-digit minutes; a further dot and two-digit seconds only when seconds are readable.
3.01
